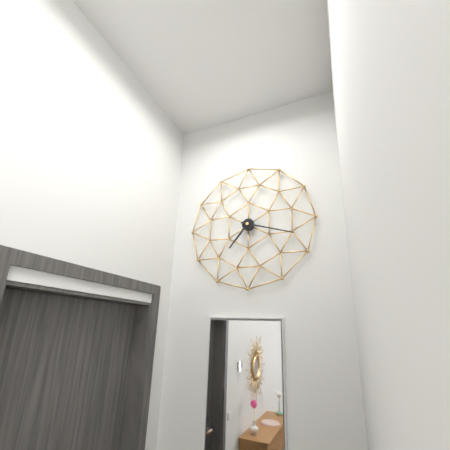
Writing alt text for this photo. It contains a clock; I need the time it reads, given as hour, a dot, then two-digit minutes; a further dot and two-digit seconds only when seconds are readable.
7.18
